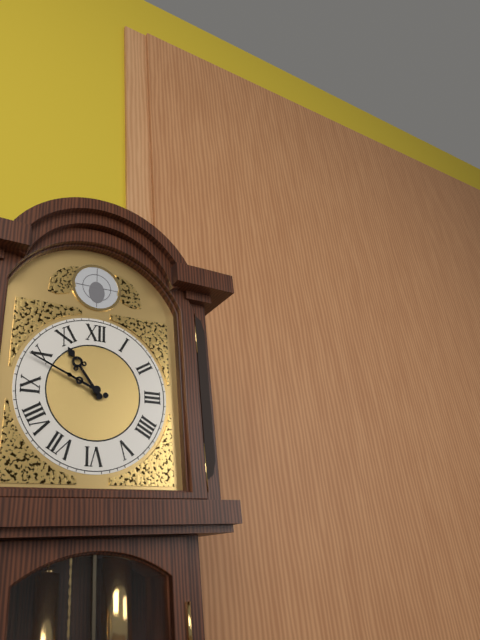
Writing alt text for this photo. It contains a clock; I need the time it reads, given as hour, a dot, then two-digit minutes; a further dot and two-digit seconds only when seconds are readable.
10.49
